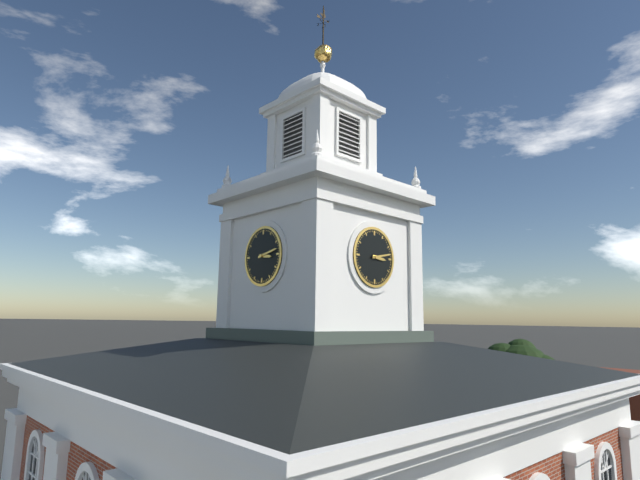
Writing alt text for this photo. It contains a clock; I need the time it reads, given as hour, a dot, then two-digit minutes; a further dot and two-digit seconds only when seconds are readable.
3.13
